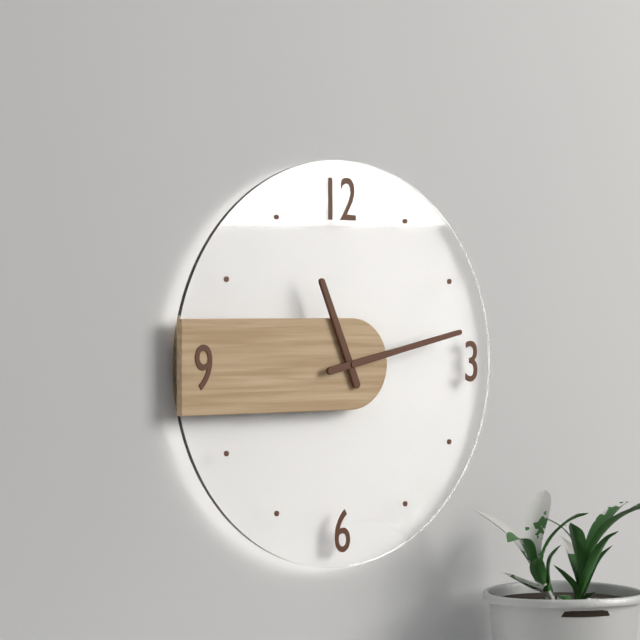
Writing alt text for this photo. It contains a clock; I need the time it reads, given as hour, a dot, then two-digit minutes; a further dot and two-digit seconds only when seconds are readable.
11.13
